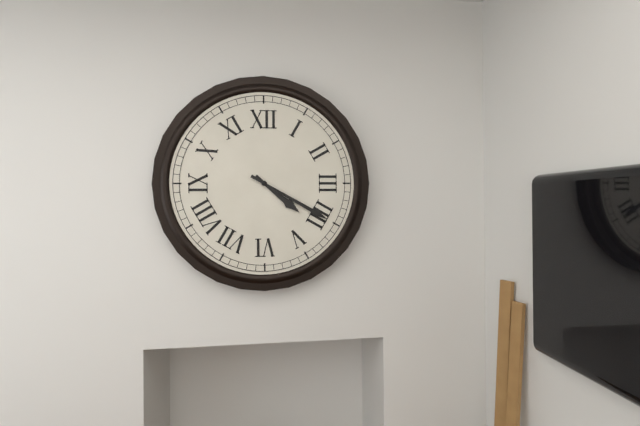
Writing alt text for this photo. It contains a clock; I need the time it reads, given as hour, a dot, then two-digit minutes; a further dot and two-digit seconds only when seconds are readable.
4.20
